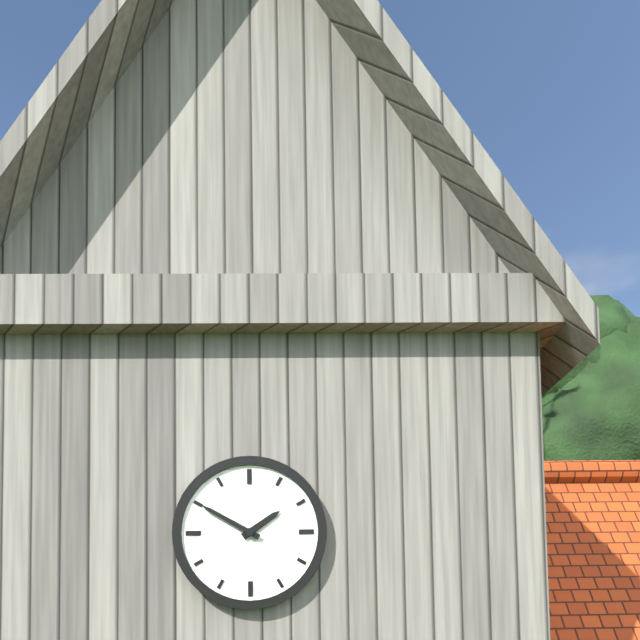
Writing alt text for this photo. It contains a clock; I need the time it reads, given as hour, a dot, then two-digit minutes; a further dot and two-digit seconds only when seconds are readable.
1.50
